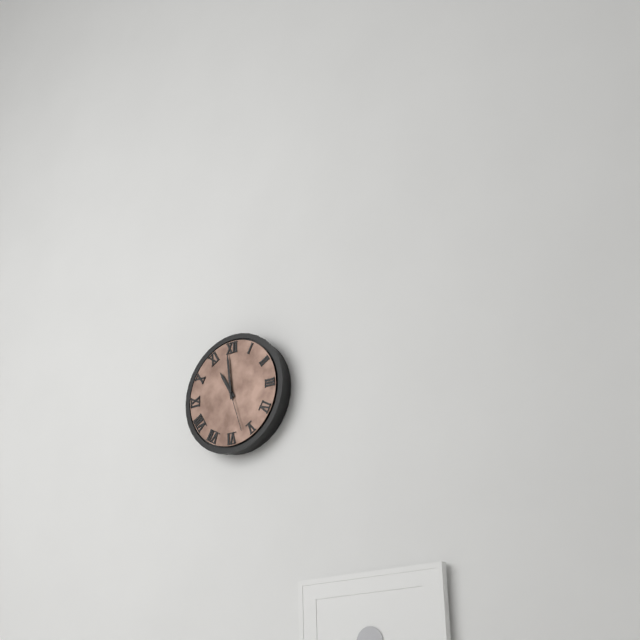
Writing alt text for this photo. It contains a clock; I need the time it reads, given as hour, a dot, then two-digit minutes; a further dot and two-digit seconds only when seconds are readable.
10.59.27
